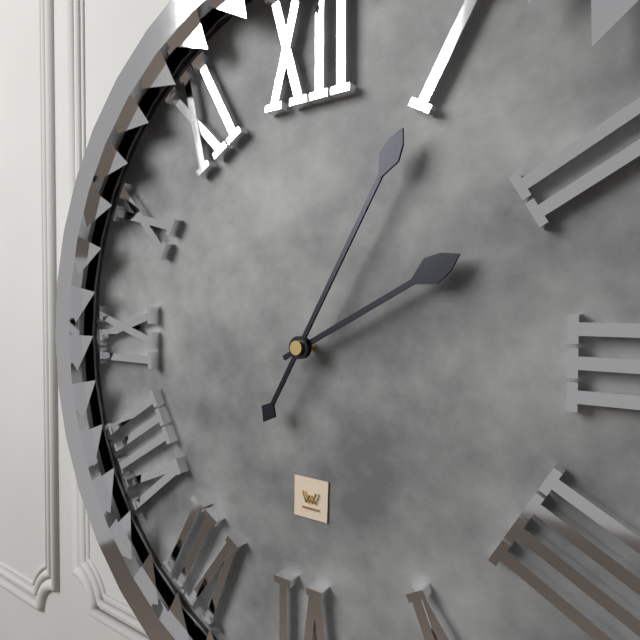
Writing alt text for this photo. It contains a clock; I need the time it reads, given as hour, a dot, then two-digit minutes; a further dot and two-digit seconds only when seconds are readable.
2.05
